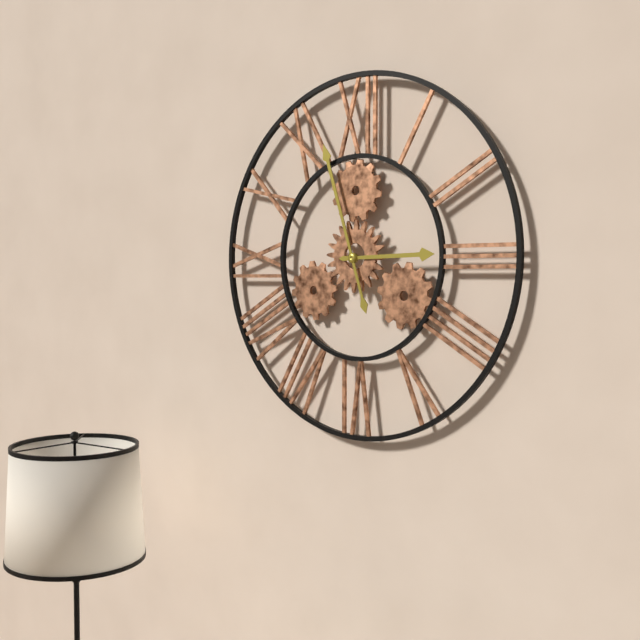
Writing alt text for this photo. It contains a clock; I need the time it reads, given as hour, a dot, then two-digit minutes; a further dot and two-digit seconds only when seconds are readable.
2.57
